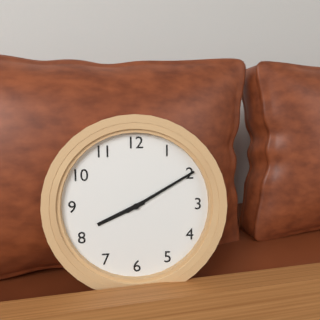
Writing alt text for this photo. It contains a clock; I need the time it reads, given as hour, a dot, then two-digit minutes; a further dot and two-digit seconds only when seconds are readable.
8.10
